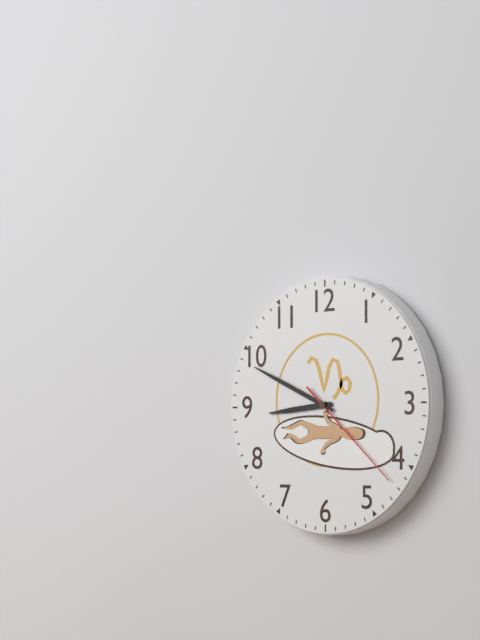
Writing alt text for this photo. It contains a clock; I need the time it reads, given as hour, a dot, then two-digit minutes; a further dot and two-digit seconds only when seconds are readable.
8.49.22
